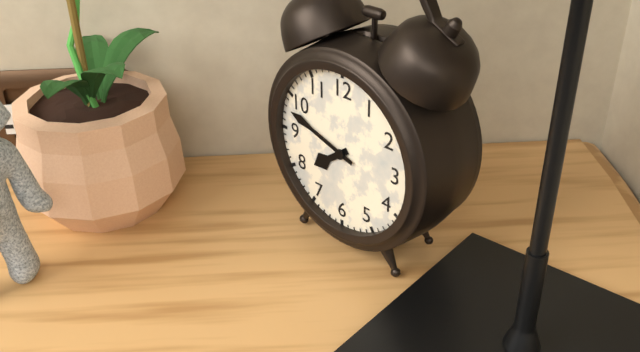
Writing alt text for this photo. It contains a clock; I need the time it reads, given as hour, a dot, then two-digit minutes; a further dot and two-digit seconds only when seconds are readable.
7.48
